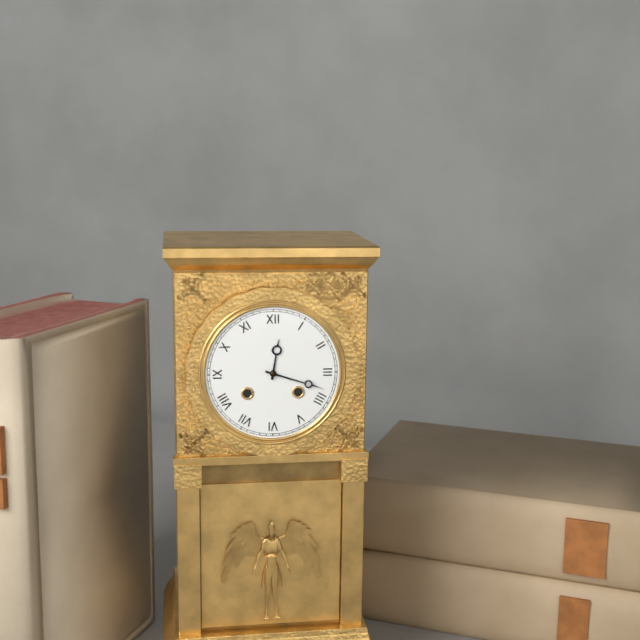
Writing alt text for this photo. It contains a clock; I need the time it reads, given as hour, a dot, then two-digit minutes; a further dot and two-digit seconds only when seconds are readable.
12.18
